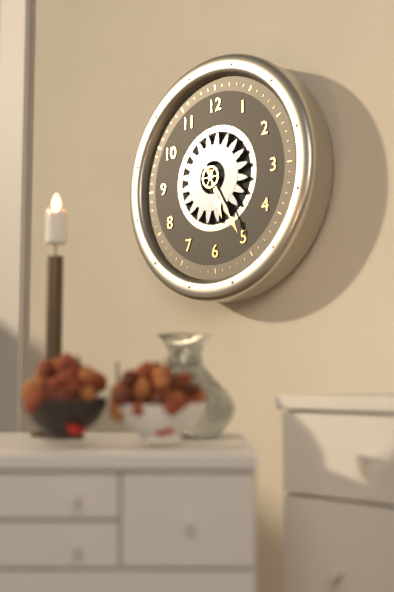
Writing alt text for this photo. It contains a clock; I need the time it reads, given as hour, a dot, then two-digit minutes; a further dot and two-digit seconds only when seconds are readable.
5.25
